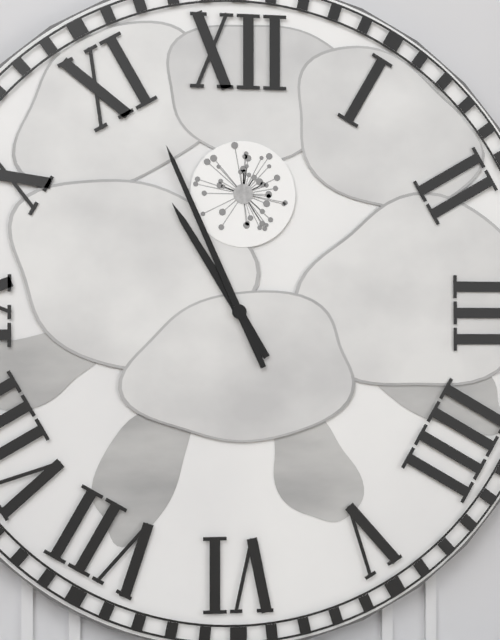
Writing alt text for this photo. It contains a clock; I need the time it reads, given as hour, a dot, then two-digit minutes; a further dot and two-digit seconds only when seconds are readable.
10.56
